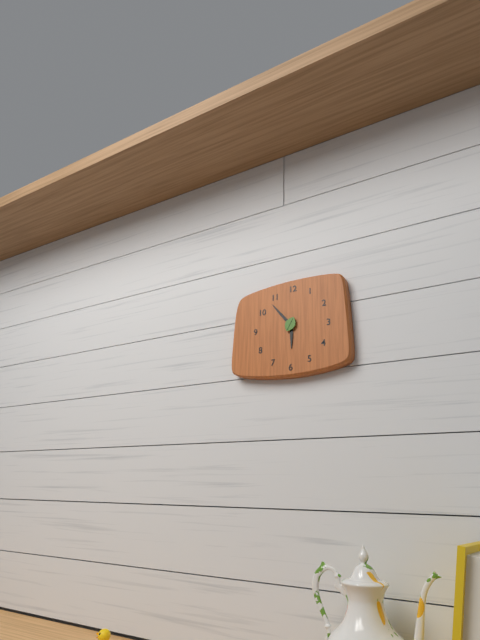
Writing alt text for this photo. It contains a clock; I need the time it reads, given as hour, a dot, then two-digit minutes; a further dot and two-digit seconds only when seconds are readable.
5.53
